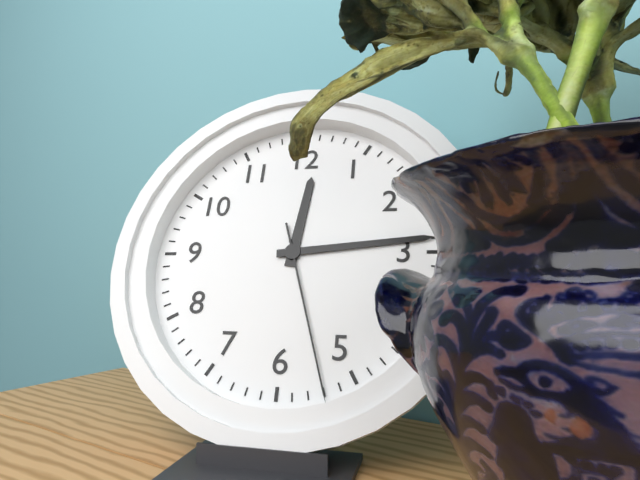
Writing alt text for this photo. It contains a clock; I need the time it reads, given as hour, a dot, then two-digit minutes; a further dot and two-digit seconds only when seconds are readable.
12.14.27
